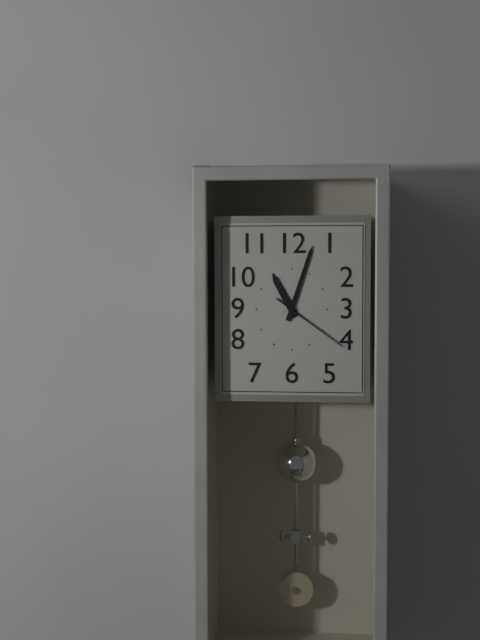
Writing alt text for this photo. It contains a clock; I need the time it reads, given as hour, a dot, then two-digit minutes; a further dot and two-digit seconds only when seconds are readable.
11.03.21
